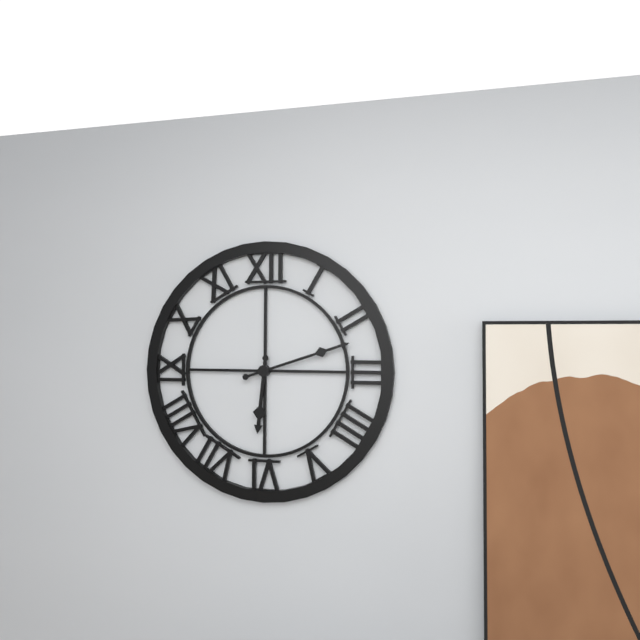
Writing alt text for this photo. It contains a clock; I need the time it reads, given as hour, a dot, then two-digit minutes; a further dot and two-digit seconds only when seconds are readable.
6.12
